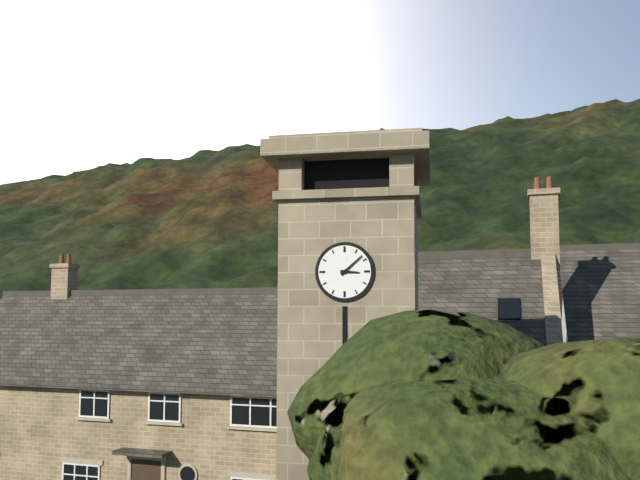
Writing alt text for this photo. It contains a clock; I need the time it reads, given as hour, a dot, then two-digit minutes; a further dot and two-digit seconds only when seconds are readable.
3.08
